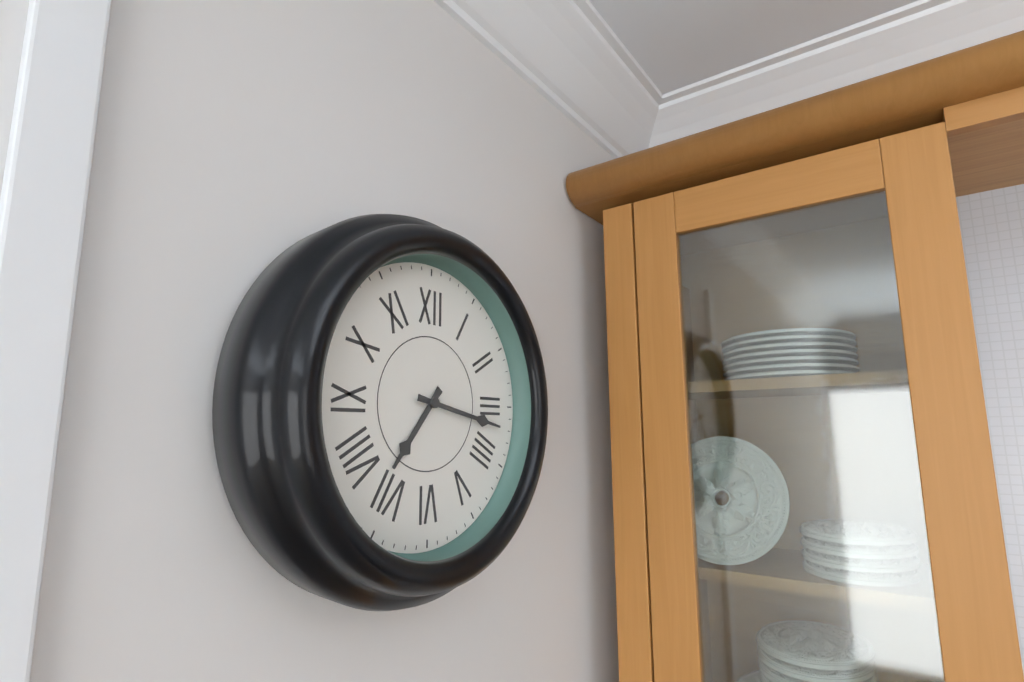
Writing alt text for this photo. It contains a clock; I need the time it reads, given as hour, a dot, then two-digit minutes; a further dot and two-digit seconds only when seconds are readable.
7.17
